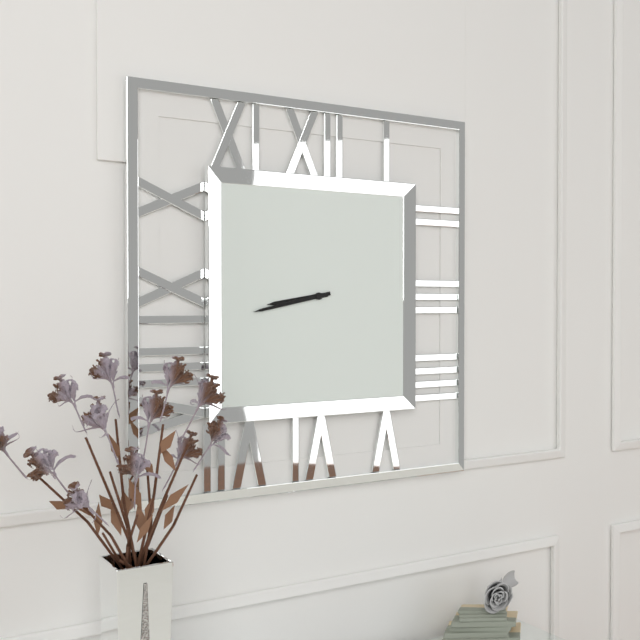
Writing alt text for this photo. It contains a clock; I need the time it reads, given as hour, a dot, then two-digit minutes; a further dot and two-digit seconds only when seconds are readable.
8.43
